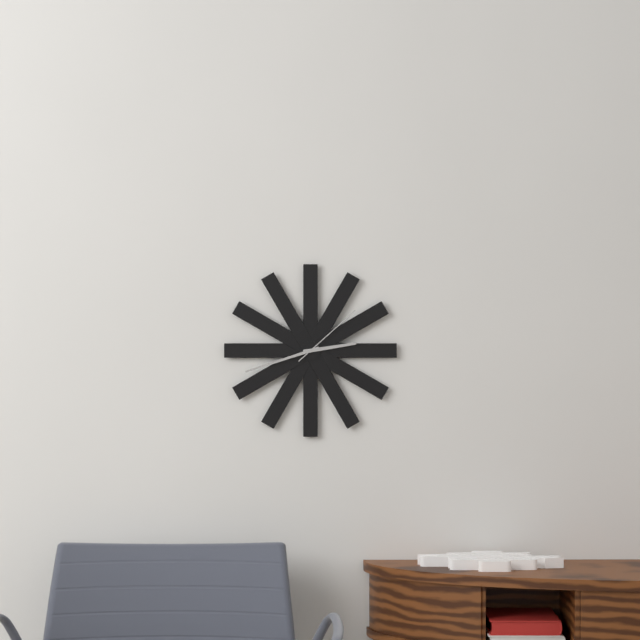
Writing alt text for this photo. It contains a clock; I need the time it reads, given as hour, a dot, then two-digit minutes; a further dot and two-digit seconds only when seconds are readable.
2.42.08
